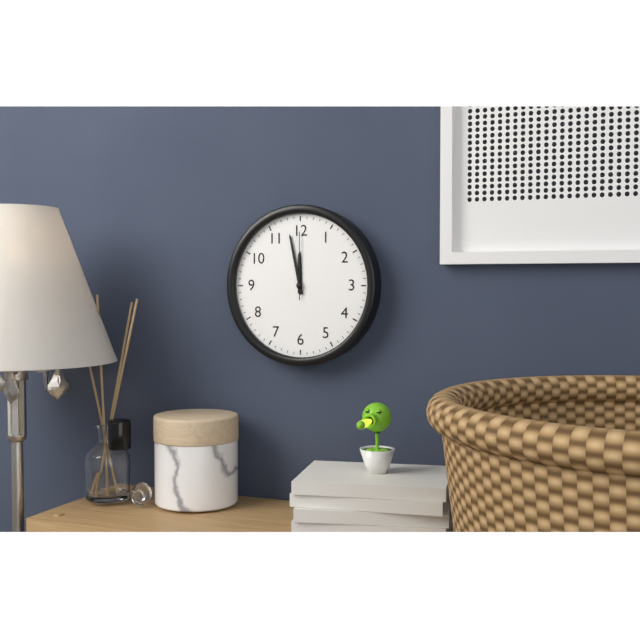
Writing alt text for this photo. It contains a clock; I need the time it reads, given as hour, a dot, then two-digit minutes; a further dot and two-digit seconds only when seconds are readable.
11.58.00
